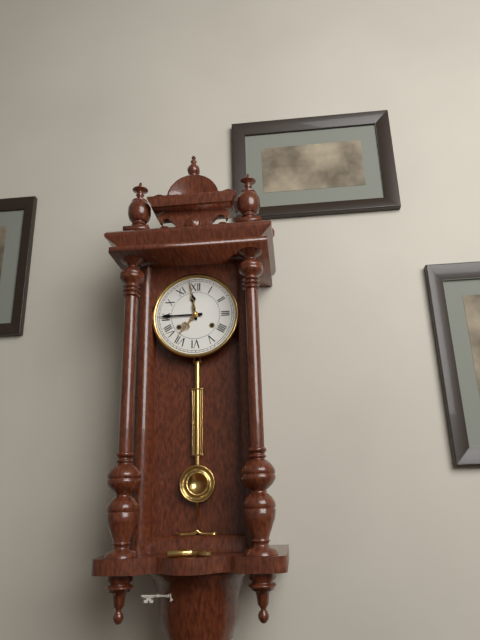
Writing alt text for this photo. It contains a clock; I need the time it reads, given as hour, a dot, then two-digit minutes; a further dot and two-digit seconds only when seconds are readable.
11.45
